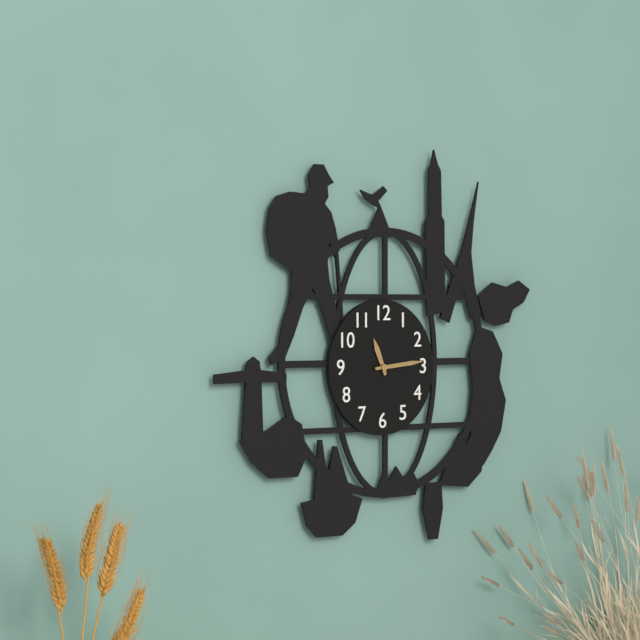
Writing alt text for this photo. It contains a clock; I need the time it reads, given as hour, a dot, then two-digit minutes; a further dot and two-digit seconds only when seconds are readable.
11.14
